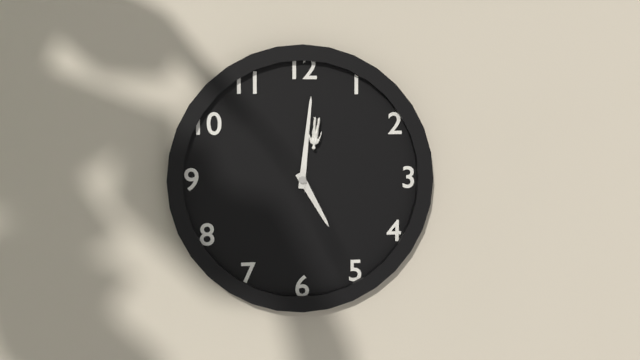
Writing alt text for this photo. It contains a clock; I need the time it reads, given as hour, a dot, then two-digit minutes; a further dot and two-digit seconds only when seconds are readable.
5.01
